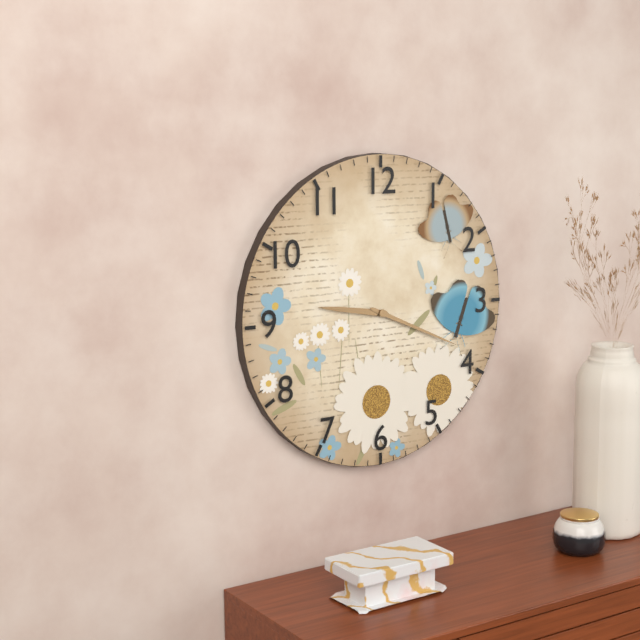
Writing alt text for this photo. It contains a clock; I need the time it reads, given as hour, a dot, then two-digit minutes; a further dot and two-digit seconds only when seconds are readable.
9.19
